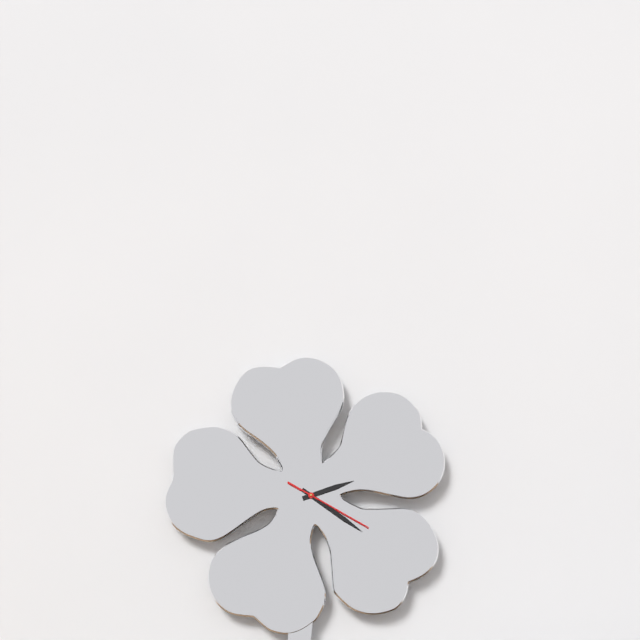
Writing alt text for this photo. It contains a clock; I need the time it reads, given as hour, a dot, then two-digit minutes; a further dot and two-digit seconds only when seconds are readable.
2.21.20
